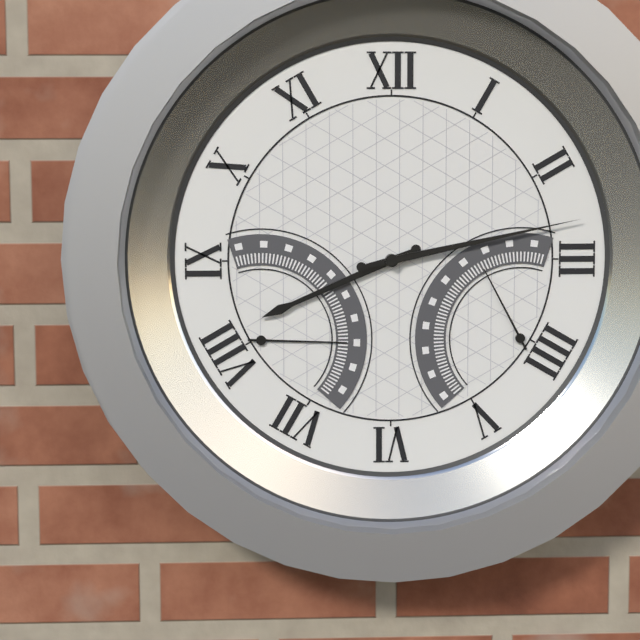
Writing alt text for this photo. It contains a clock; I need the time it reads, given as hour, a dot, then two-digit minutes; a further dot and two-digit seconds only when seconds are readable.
8.13
